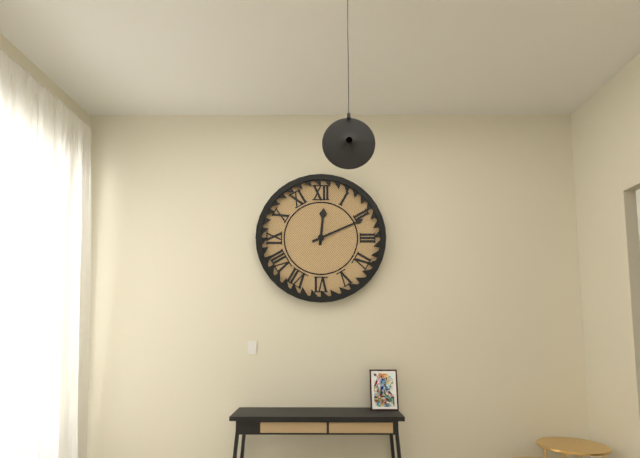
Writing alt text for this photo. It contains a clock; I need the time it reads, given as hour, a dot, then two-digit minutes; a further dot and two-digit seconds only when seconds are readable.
12.11
